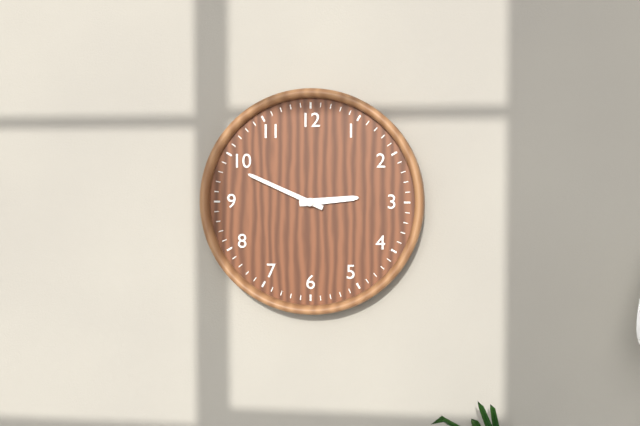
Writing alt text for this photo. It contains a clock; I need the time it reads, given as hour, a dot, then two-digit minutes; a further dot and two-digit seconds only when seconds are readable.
2.49
